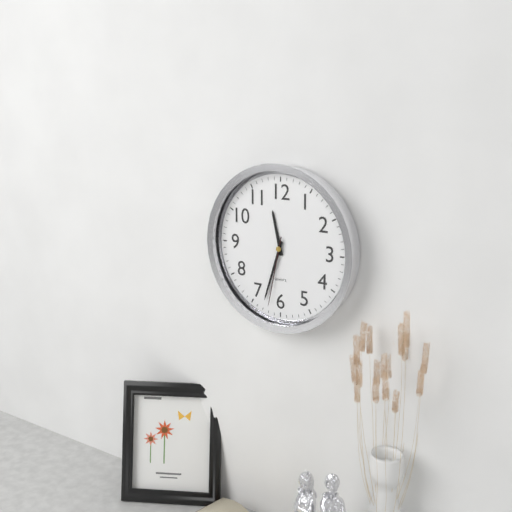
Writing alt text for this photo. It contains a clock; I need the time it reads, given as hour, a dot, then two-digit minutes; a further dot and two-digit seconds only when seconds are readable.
11.33.32
